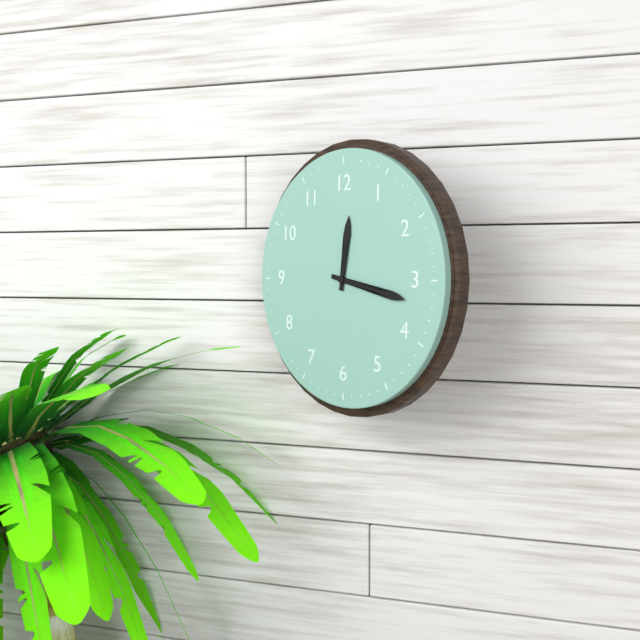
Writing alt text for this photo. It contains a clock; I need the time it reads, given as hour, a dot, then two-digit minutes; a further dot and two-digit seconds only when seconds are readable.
12.17
